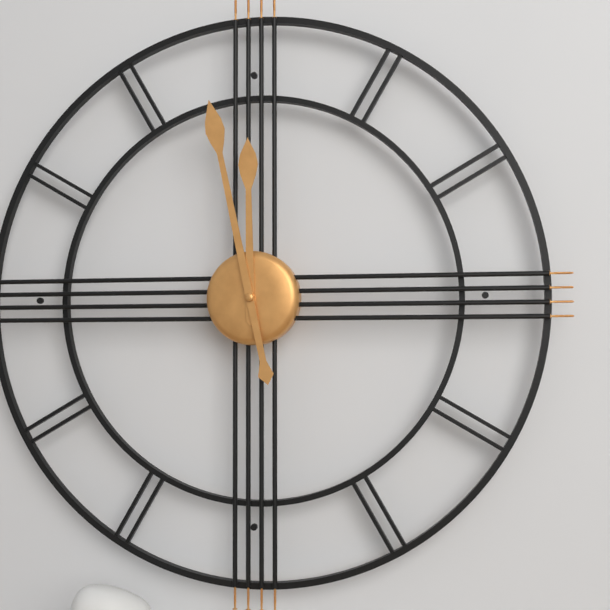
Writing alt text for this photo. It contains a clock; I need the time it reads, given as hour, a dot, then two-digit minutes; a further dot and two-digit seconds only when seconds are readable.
11.58
